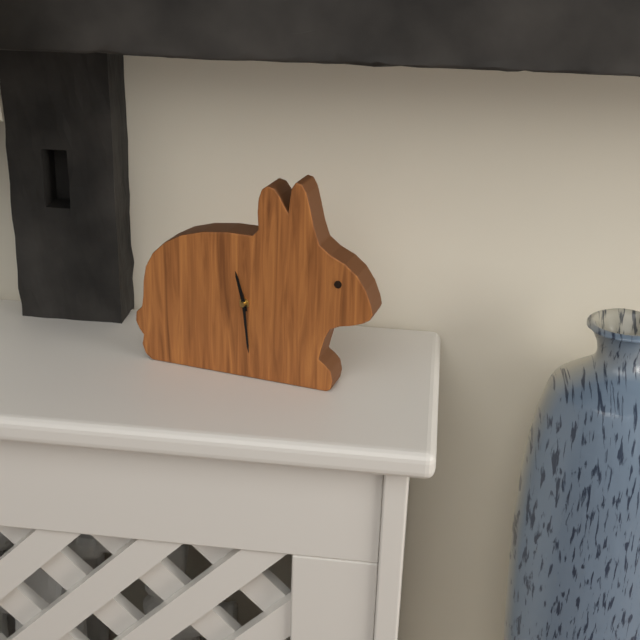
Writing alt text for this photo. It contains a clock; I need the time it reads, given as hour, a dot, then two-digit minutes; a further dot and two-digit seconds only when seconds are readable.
11.29
